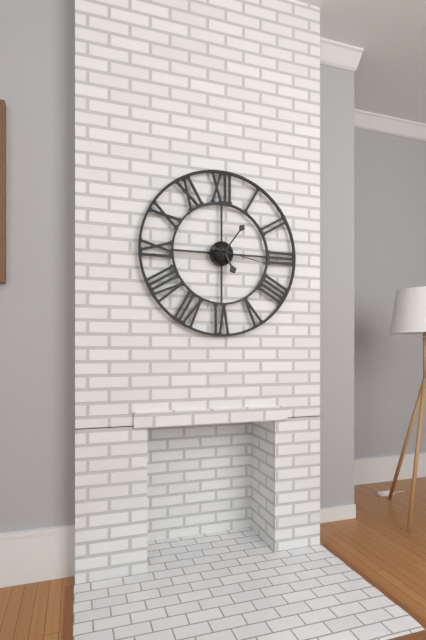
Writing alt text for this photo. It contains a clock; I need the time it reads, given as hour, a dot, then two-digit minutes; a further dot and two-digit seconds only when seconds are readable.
5.06.17
